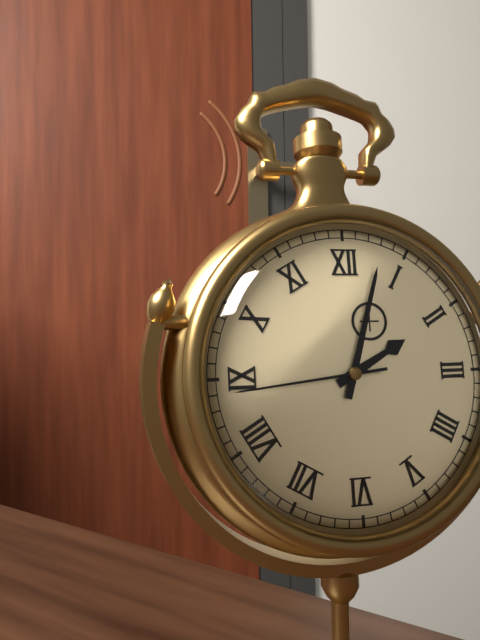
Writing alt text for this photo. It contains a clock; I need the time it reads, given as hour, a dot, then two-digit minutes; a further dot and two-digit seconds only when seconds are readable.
2.03.44
